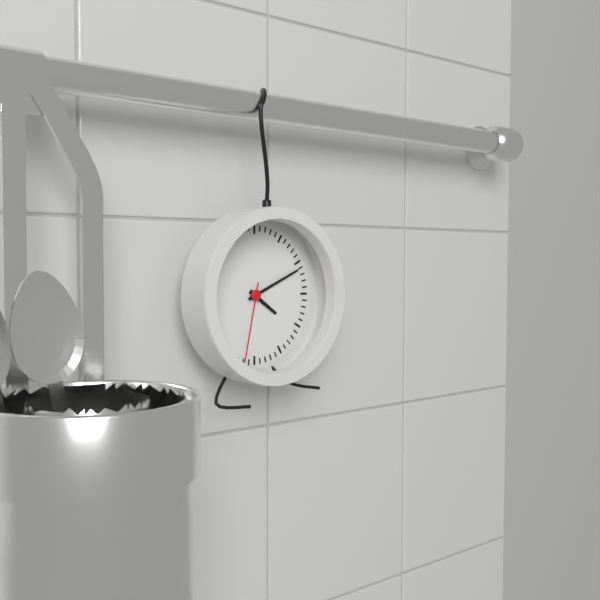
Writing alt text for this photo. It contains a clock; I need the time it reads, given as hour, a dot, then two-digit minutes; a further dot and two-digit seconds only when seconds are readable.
4.11.32
